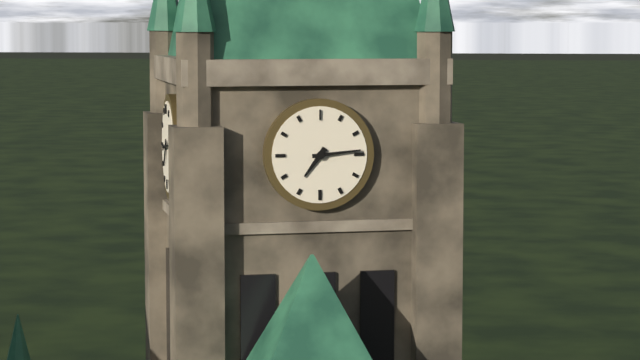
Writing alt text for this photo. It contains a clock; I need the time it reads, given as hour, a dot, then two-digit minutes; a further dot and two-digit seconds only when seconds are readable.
7.14
